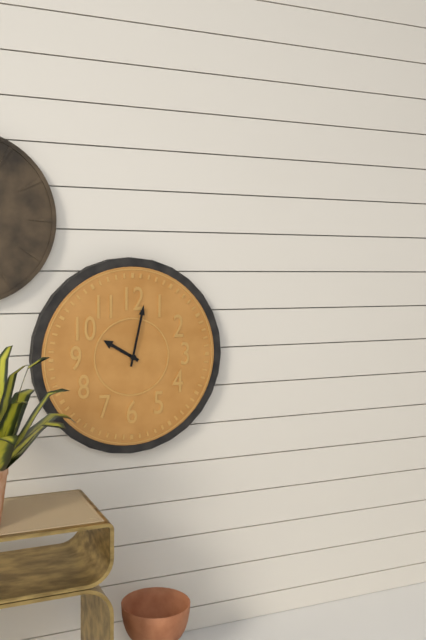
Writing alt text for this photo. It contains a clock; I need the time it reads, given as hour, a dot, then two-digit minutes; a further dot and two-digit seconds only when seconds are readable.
10.02
